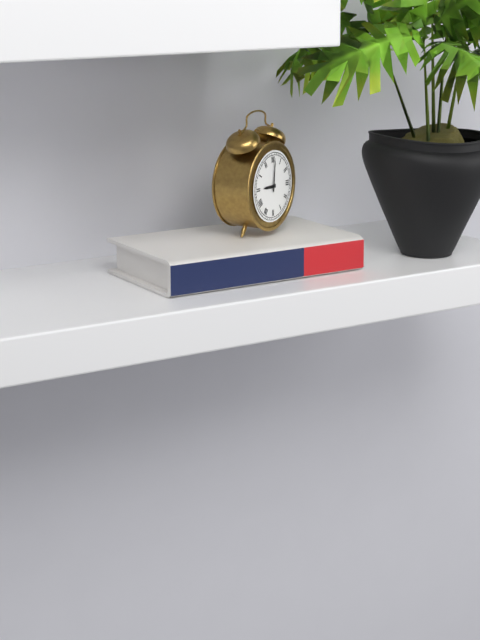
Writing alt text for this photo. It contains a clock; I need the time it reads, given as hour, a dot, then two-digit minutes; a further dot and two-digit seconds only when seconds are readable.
9.01
